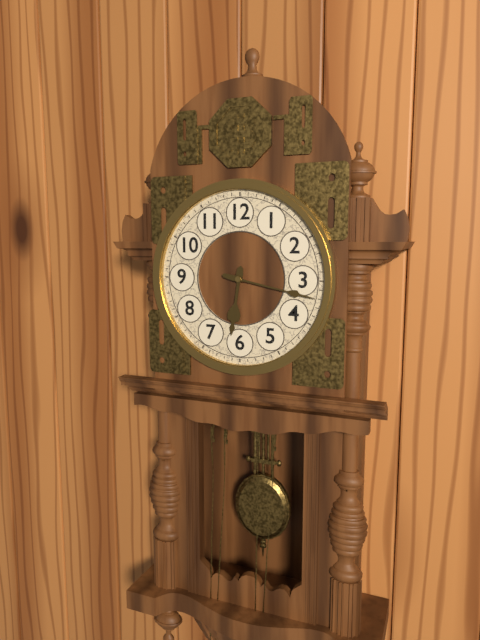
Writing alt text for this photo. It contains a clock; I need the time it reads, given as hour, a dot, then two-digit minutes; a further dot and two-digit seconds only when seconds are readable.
6.17
